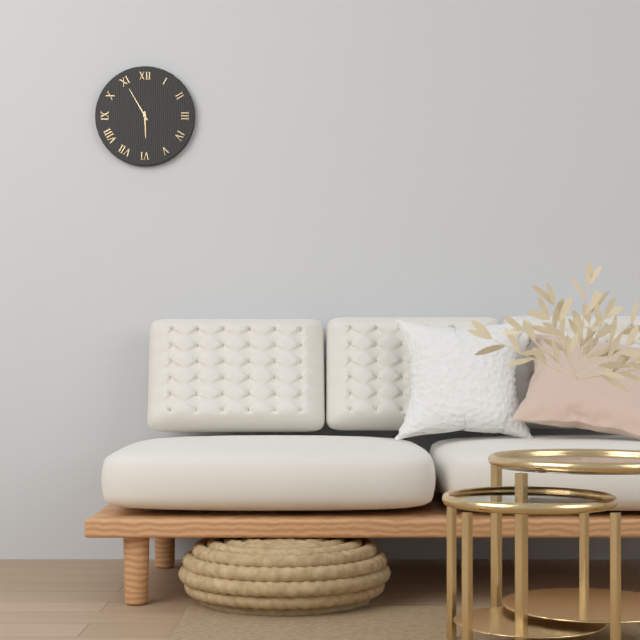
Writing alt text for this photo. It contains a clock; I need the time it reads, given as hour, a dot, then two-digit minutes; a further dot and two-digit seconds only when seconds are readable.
5.55
